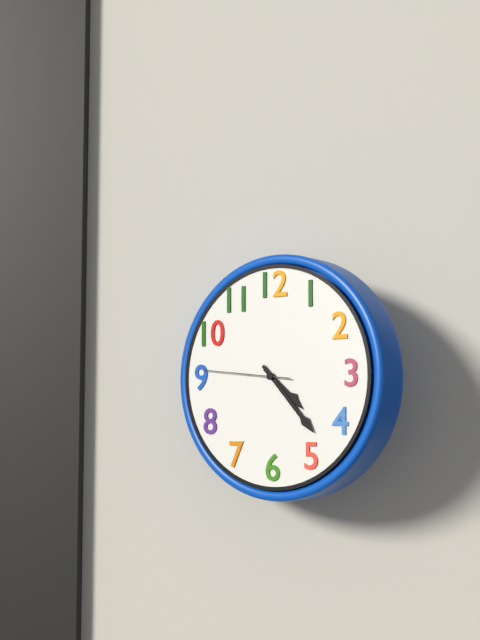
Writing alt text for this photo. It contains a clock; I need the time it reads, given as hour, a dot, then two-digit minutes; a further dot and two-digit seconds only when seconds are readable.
4.23.46
